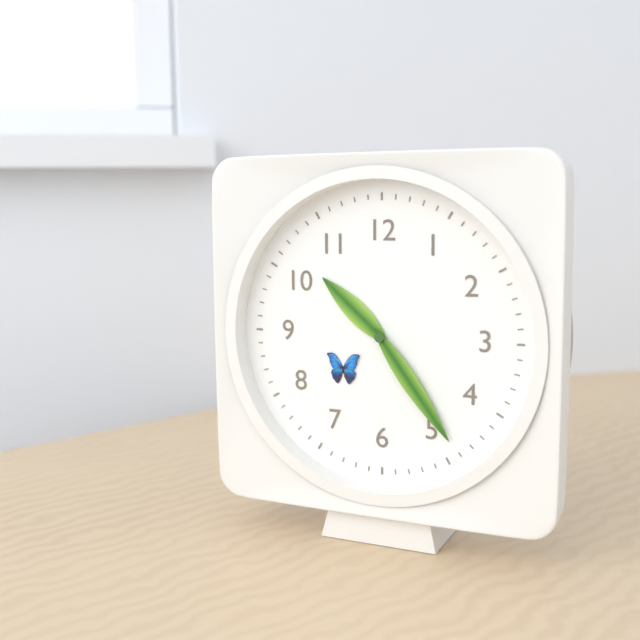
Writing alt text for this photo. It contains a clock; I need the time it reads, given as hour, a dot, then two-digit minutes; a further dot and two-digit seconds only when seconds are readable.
10.24
